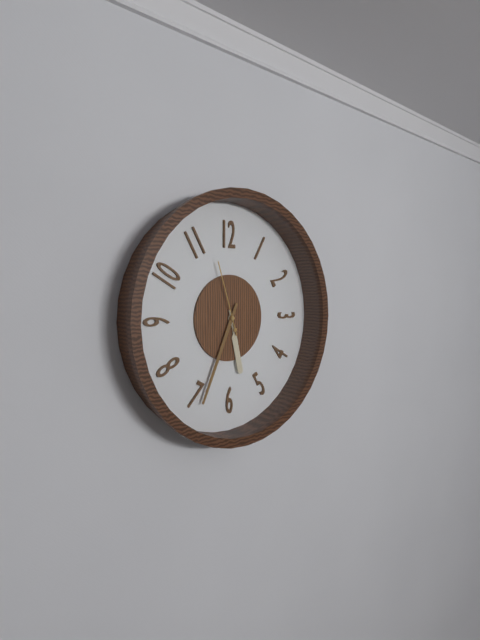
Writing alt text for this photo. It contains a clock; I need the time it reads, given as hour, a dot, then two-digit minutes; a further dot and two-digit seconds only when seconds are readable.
5.34.57
